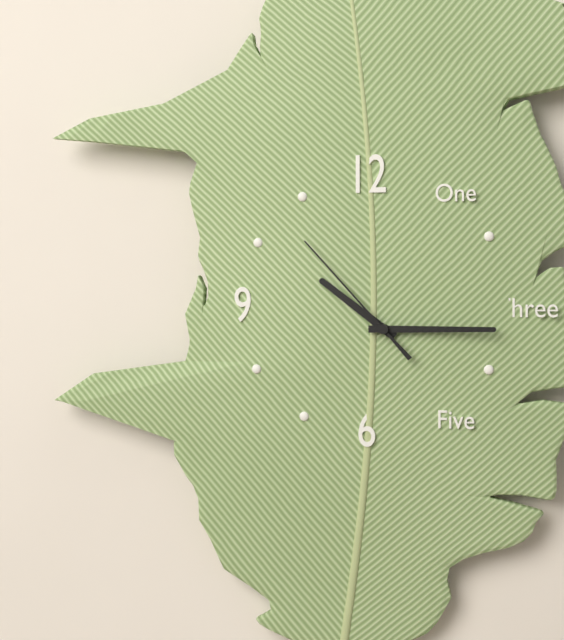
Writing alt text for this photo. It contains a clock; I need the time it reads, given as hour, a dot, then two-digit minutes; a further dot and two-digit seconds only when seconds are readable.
10.15.53
